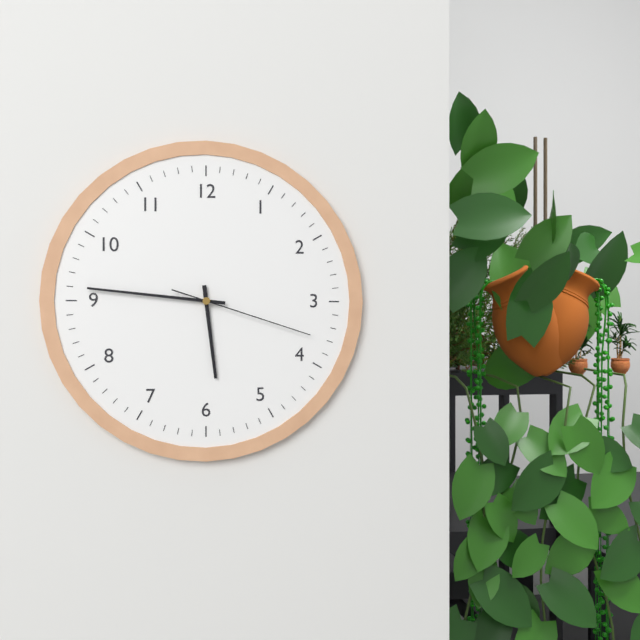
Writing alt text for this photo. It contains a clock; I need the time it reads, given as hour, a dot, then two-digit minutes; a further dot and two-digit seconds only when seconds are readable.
5.46.18
